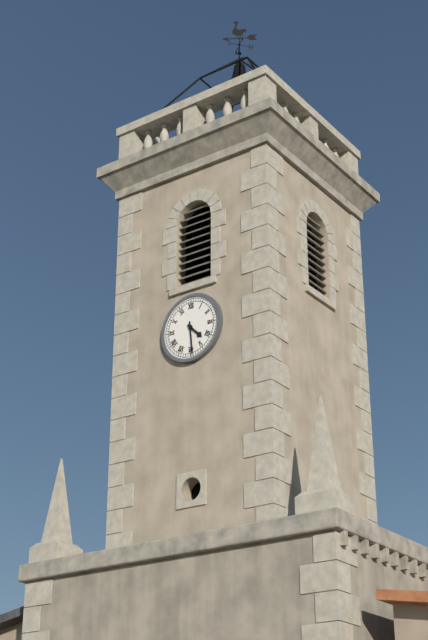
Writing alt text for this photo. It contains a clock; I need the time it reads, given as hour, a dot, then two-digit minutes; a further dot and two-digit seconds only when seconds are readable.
4.29
